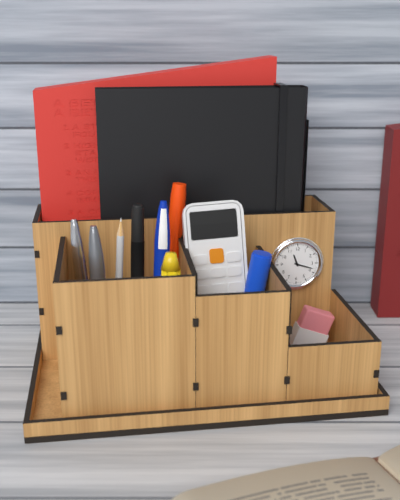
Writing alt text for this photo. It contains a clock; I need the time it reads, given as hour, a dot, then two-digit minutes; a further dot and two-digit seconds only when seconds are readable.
11.18
